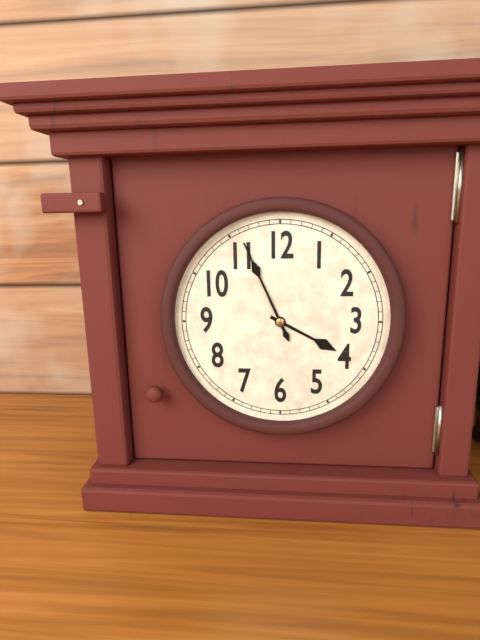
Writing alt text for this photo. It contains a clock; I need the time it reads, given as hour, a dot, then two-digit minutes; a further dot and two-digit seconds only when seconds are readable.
3.56
